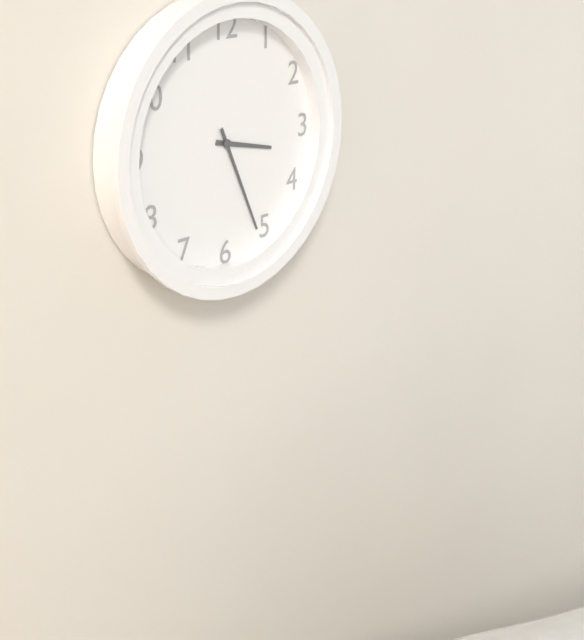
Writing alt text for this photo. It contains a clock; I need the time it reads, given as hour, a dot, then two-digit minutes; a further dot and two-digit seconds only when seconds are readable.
3.26
